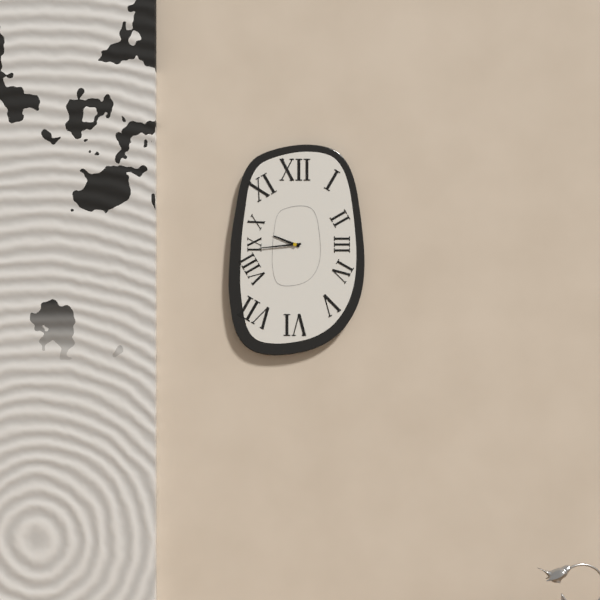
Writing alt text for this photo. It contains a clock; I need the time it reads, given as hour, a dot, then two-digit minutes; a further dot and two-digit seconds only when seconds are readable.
9.44
